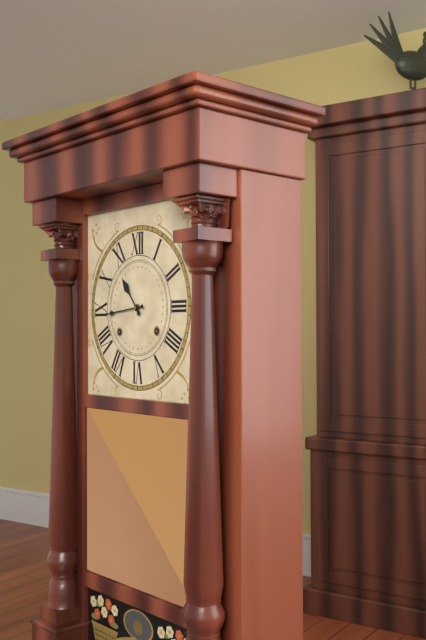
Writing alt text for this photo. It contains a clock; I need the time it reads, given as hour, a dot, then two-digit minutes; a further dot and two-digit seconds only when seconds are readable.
10.44
